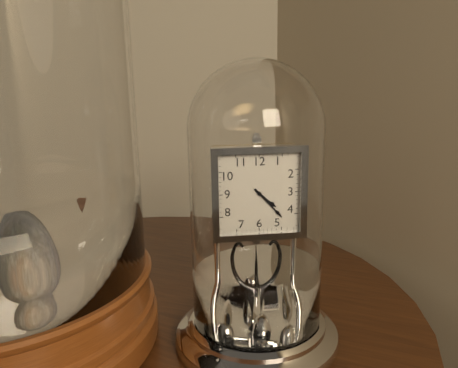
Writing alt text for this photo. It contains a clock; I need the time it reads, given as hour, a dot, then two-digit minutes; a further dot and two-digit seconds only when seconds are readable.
4.23
